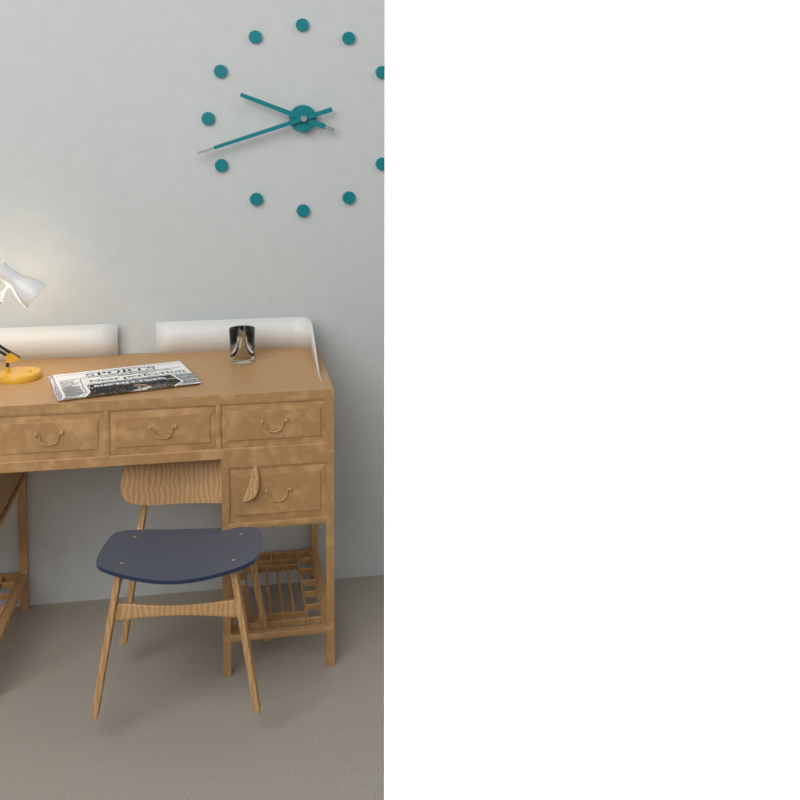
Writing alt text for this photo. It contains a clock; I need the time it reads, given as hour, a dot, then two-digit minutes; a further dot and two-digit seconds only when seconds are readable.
9.42
